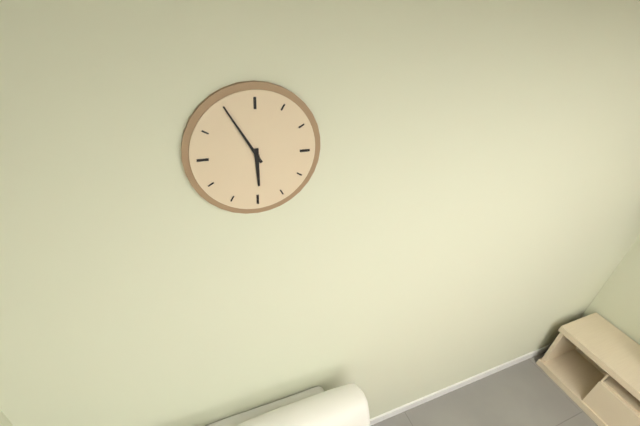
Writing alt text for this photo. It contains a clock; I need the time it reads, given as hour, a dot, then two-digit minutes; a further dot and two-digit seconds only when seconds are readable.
5.55
